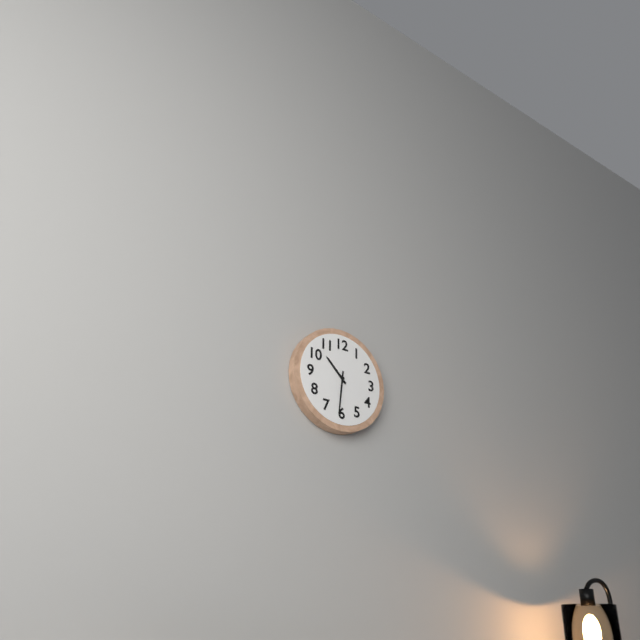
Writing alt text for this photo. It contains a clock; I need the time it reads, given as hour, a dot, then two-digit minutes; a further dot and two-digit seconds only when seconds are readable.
10.31
